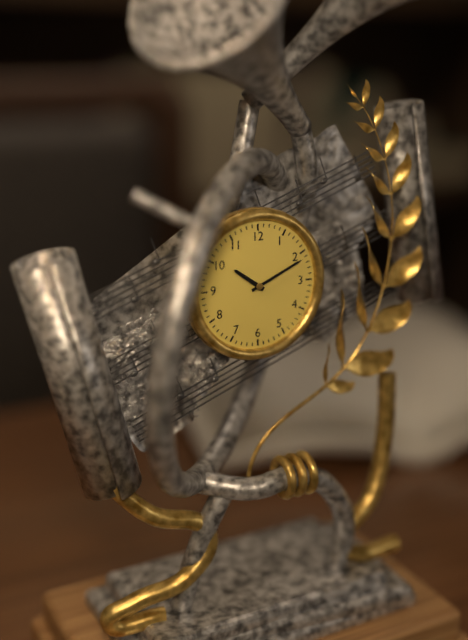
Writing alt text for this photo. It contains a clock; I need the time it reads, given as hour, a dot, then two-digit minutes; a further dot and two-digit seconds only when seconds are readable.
10.11
